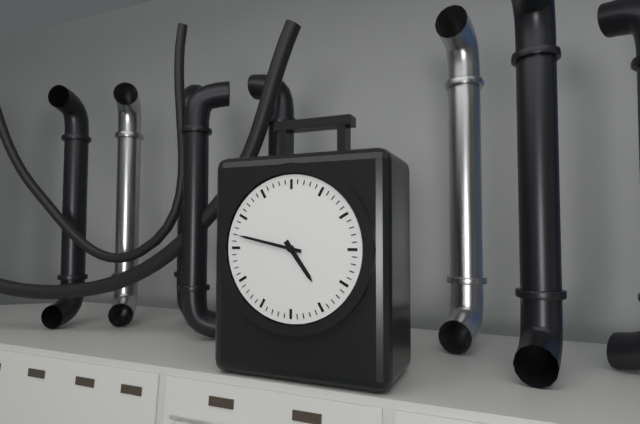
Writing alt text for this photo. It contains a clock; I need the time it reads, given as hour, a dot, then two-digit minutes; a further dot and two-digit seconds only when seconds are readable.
4.47
